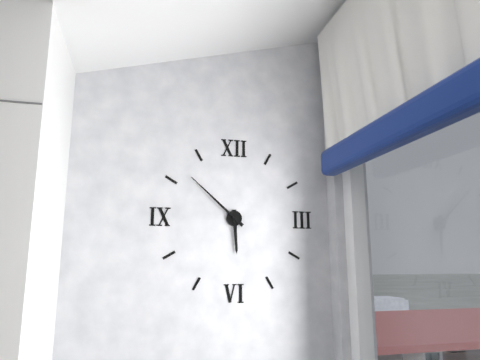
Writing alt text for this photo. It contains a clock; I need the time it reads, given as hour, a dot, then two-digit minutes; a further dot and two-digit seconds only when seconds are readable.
5.52
